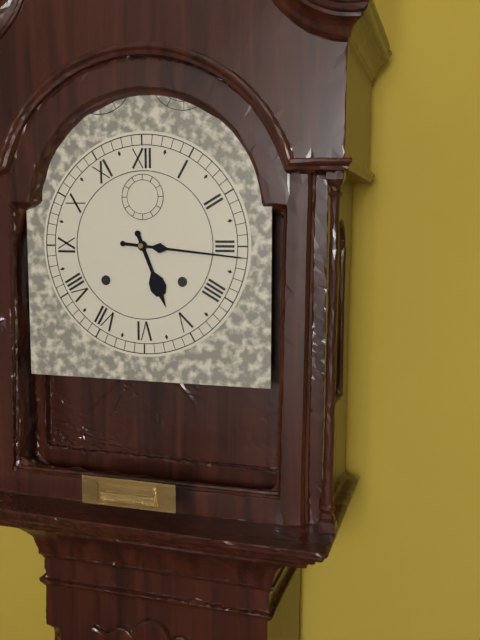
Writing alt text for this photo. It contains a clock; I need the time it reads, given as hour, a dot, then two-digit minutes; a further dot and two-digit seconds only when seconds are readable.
5.16
